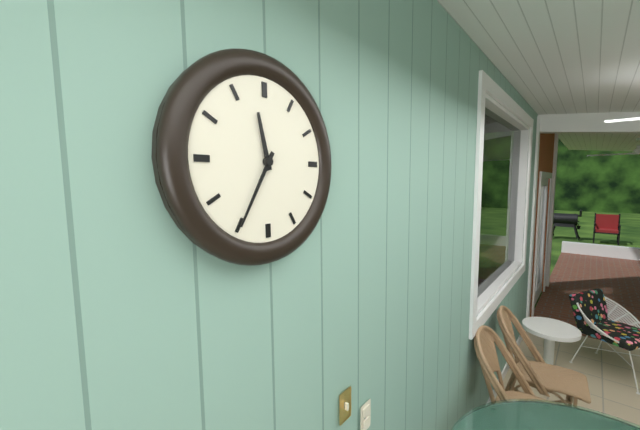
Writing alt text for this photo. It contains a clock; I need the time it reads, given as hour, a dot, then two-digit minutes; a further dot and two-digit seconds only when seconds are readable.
11.35
